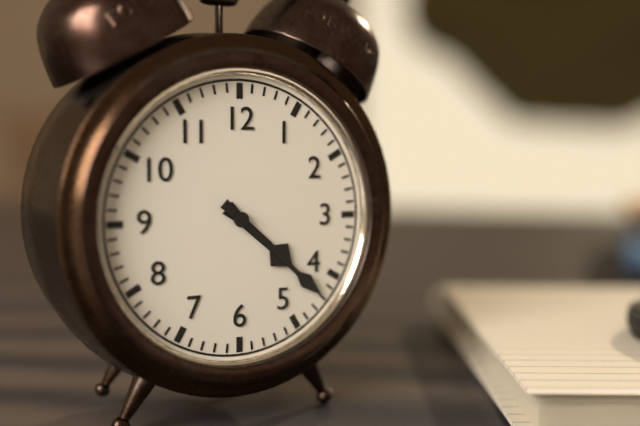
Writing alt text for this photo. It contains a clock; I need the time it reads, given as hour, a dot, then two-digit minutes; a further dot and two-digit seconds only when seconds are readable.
4.22
